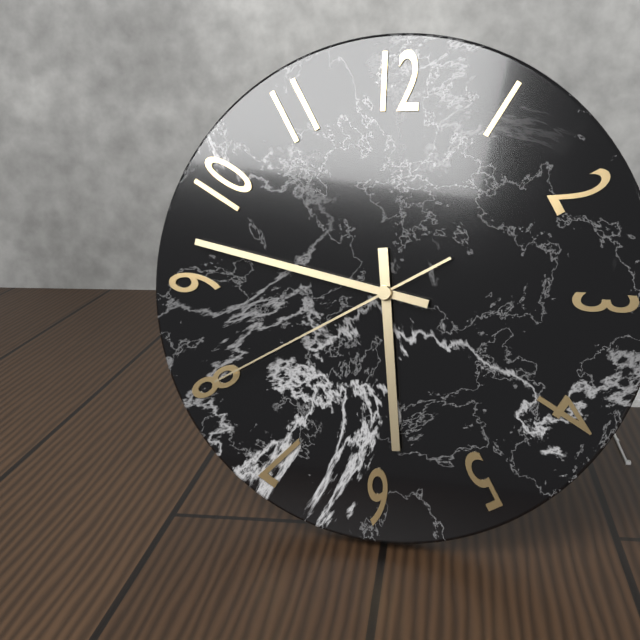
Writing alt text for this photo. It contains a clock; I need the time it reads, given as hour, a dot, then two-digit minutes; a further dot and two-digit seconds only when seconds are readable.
5.47.40
